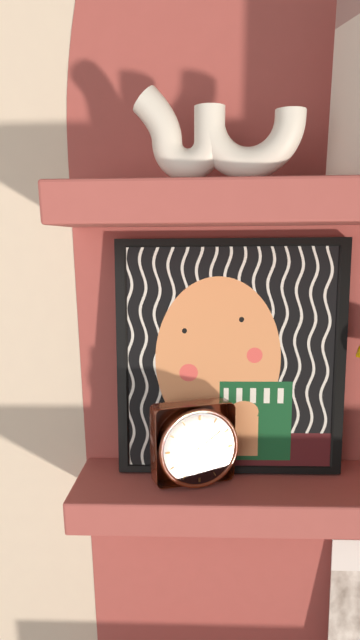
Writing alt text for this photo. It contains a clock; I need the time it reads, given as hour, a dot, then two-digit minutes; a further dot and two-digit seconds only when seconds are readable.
7.09
